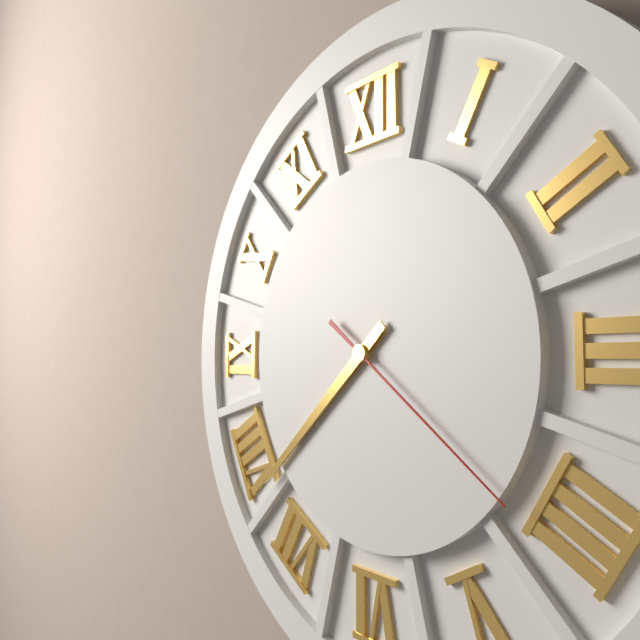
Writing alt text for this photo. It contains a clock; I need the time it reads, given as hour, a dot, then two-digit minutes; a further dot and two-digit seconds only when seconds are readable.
7.38.21
